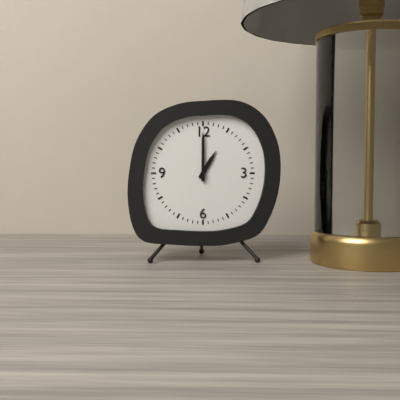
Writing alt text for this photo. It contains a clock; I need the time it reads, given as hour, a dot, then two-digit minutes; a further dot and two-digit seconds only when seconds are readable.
1.00
